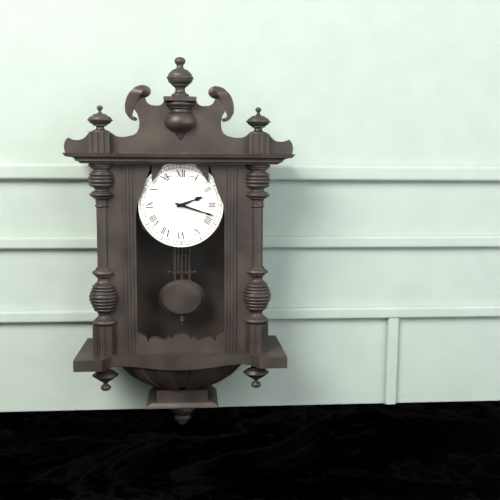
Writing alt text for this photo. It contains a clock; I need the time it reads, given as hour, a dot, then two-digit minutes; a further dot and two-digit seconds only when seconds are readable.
2.18
